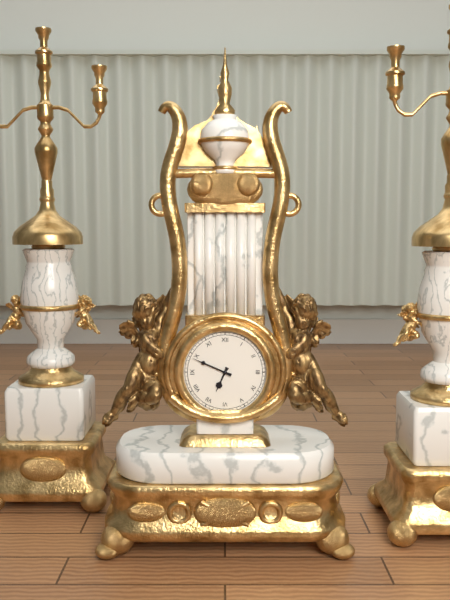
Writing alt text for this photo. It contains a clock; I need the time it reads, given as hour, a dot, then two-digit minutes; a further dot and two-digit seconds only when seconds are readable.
6.49
